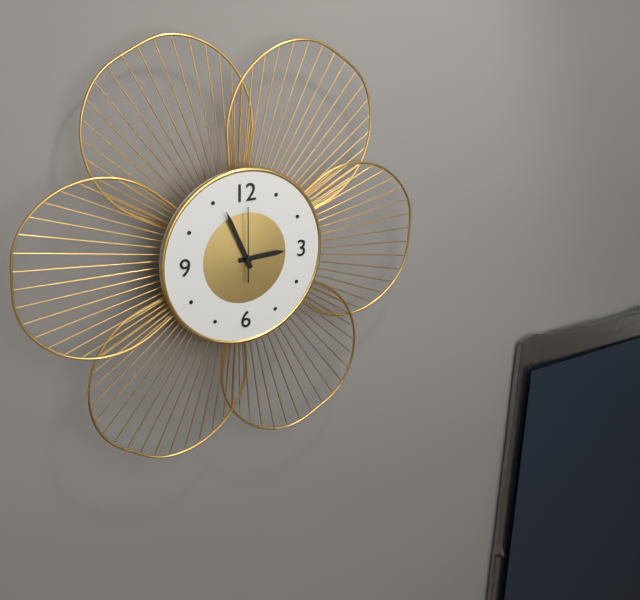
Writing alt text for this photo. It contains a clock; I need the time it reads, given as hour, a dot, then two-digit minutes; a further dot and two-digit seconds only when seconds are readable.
2.56.00
